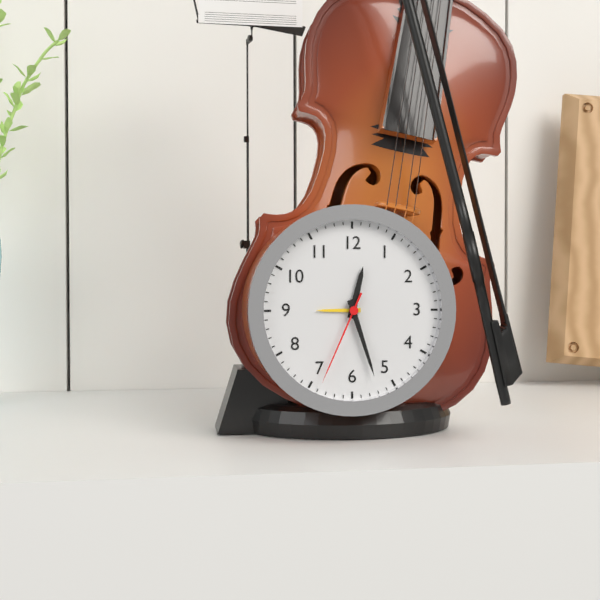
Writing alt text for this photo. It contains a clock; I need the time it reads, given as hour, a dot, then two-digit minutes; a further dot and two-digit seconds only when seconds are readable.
12.27.34
